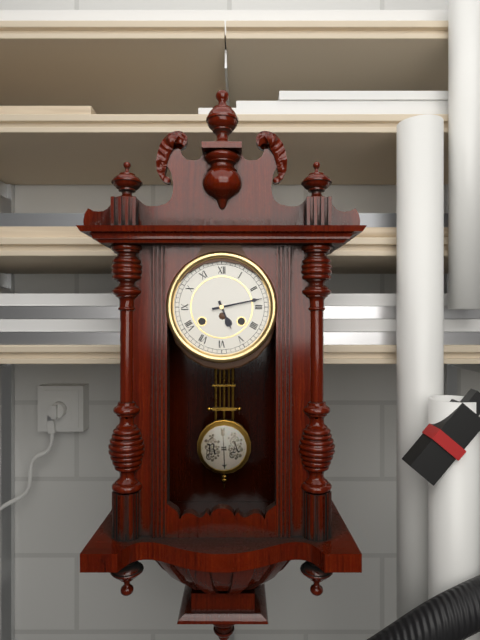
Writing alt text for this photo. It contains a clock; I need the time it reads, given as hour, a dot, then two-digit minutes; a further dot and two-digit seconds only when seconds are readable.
5.13
